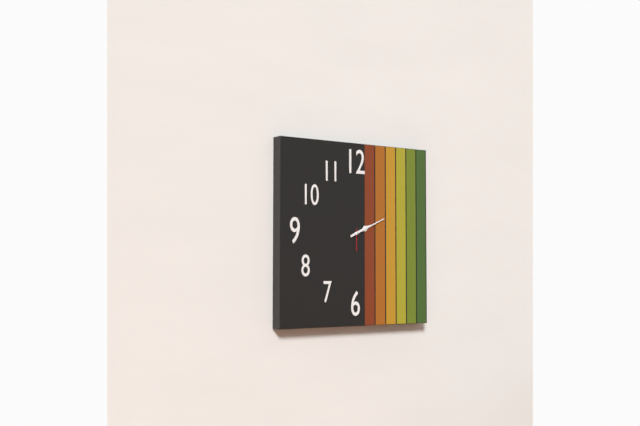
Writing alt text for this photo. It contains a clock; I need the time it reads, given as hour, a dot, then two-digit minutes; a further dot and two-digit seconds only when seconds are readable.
2.11
